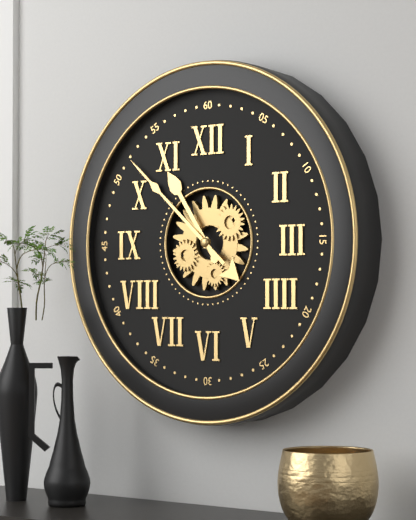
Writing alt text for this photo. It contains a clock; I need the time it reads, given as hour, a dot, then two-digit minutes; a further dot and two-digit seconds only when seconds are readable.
10.52
